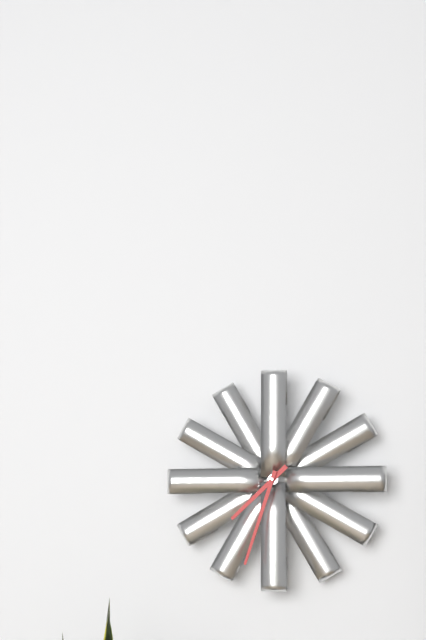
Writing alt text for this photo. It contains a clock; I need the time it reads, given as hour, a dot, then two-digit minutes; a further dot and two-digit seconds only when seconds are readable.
7.33
